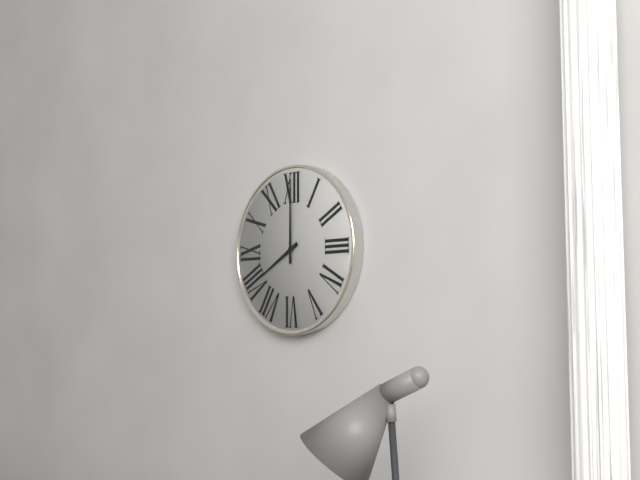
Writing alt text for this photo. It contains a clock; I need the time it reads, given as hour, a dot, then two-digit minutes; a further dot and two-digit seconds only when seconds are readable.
8.00
